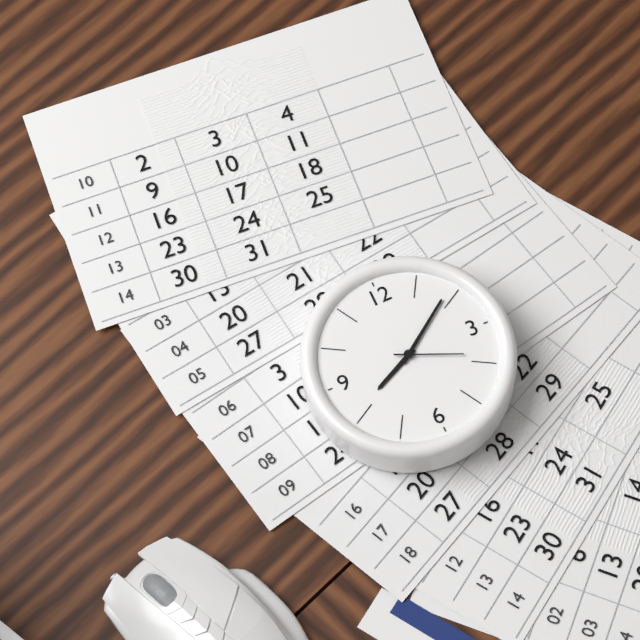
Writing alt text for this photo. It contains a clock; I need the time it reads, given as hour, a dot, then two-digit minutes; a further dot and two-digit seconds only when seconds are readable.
8.09.19
